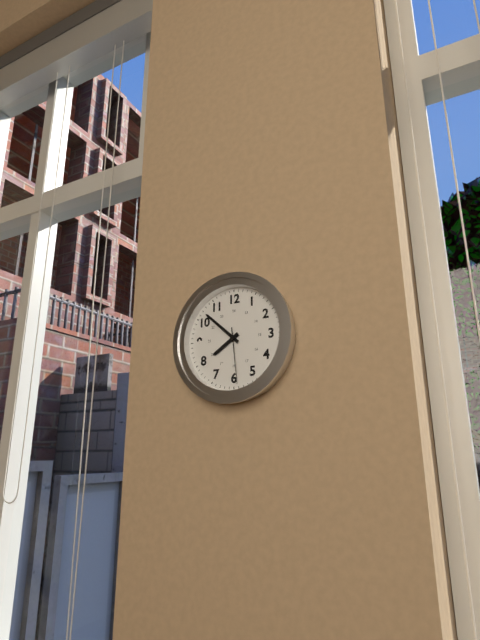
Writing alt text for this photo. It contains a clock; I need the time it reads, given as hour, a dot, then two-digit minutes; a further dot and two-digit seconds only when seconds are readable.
7.52.29
